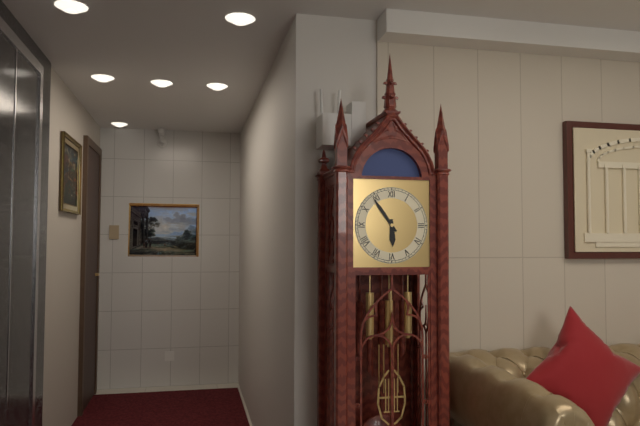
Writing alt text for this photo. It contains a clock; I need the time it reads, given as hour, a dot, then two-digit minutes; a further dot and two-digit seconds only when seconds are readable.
5.54
